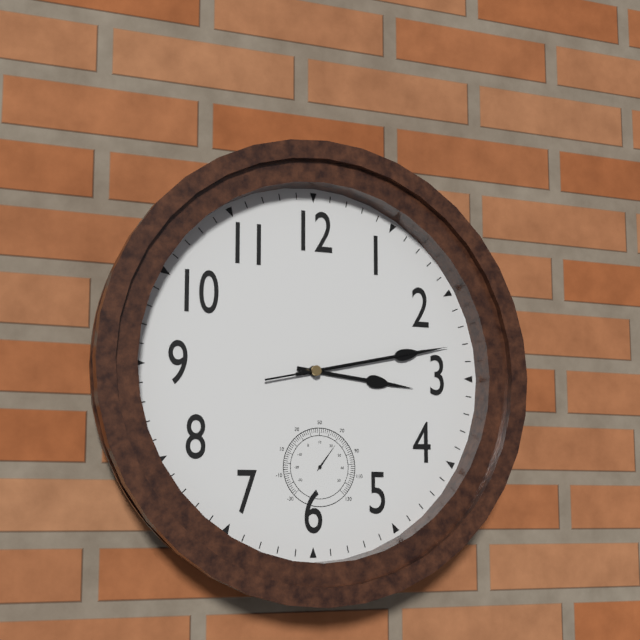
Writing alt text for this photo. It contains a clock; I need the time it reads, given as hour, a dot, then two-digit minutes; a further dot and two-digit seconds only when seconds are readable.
3.13.13
